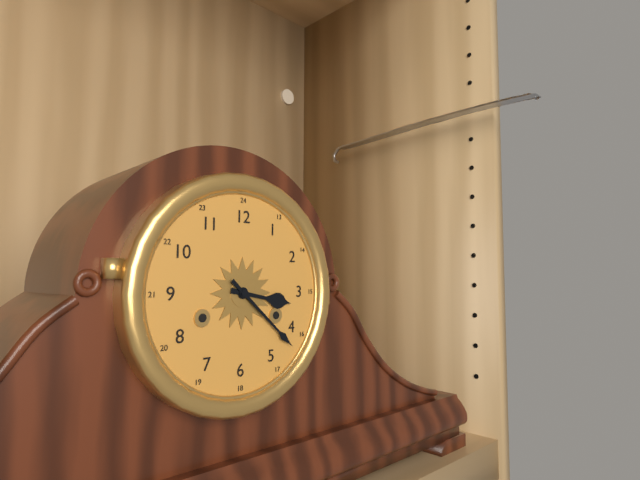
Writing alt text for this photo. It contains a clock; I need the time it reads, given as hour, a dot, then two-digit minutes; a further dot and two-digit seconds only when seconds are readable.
3.22
